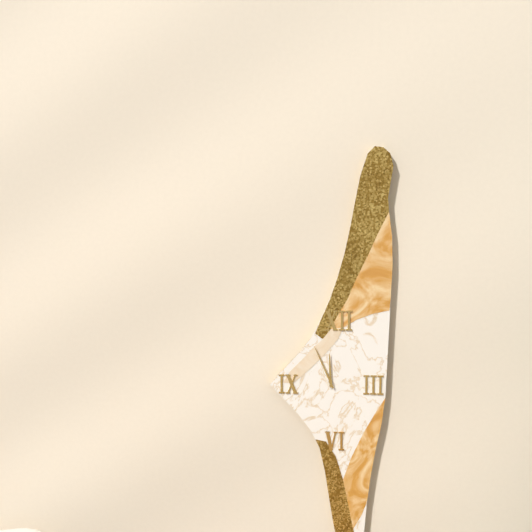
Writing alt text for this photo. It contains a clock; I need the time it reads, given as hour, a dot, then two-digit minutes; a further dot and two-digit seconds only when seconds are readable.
11.56
